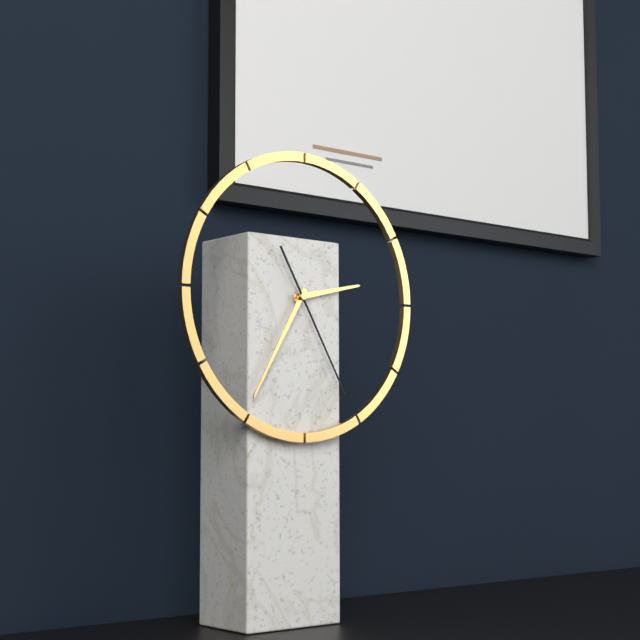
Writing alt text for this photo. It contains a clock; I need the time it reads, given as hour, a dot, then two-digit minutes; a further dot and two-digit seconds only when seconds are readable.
2.35.25
